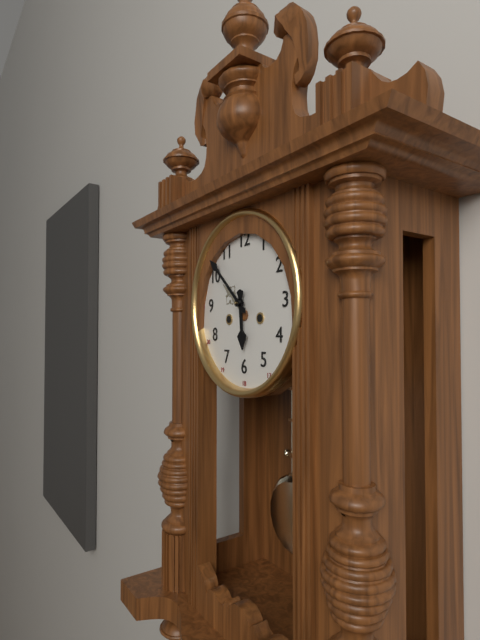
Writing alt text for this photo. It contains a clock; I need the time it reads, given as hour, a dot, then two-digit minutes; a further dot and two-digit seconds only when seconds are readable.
5.52
